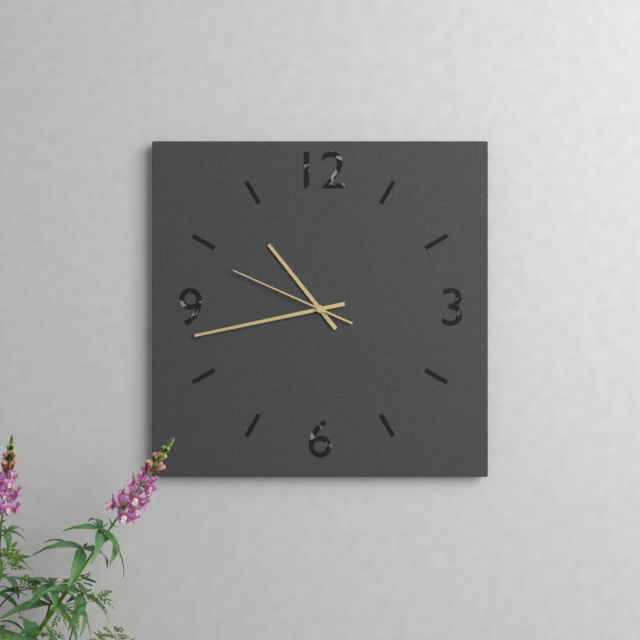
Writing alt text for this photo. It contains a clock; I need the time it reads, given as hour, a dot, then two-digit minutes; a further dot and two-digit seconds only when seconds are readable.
10.43.49
